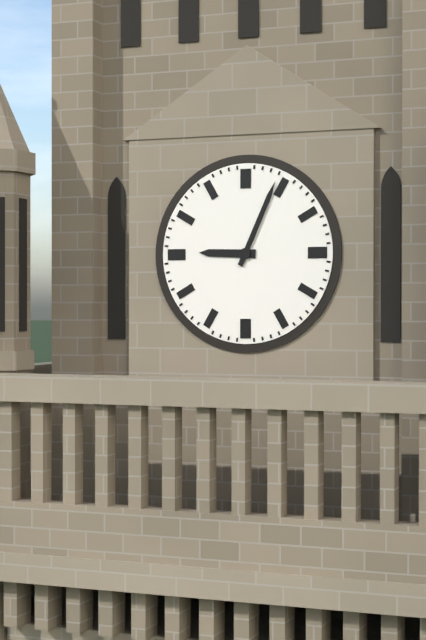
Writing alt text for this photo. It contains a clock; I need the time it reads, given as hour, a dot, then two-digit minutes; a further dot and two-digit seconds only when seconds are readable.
9.04
